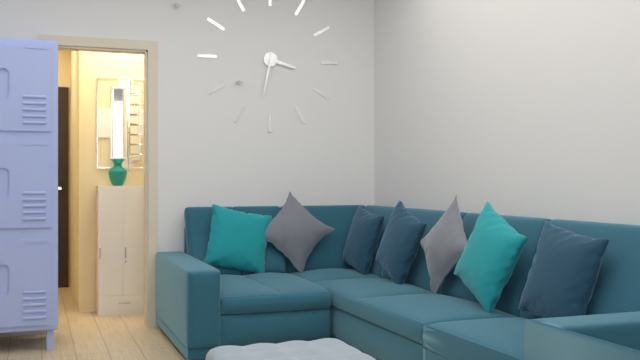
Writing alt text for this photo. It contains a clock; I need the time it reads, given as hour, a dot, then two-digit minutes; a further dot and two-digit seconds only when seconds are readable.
3.32
